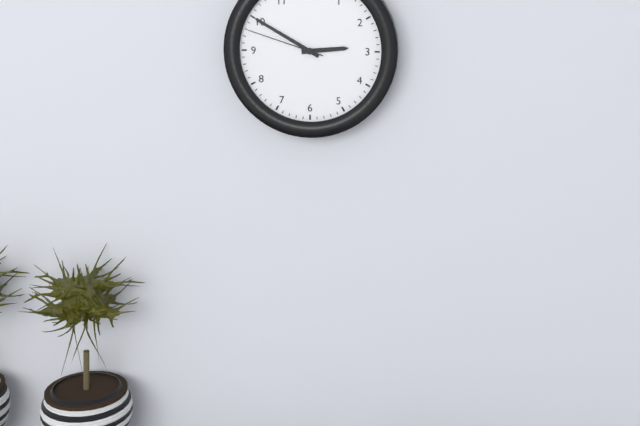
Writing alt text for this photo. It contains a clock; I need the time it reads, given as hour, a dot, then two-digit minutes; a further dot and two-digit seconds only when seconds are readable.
2.50.48
